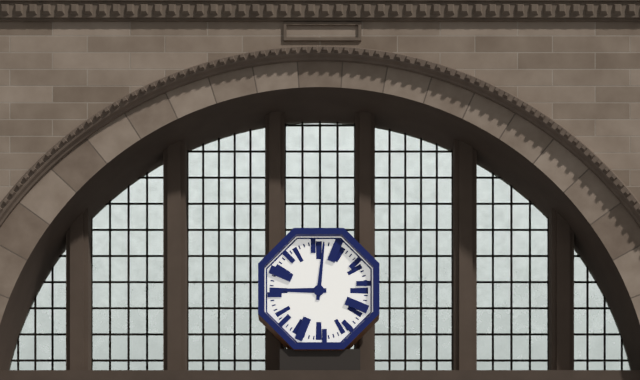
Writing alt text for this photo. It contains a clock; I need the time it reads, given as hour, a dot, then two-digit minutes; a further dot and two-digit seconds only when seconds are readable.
9.01
